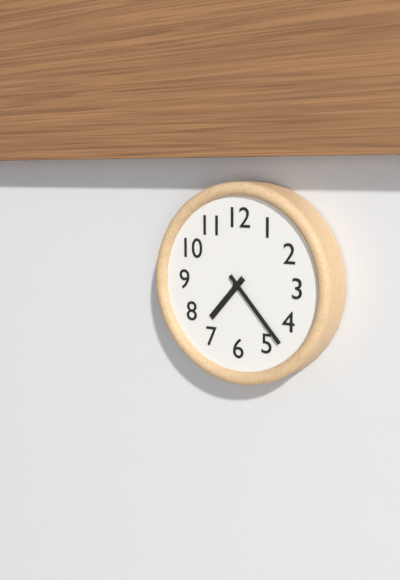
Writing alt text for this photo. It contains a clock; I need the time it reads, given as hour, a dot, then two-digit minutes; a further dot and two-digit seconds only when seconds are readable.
7.23
